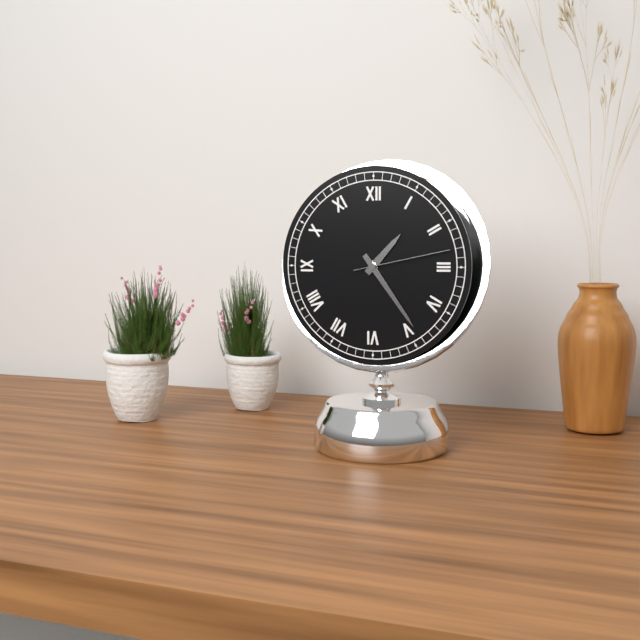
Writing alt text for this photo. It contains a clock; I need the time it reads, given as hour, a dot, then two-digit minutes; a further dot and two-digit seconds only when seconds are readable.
1.24.13
